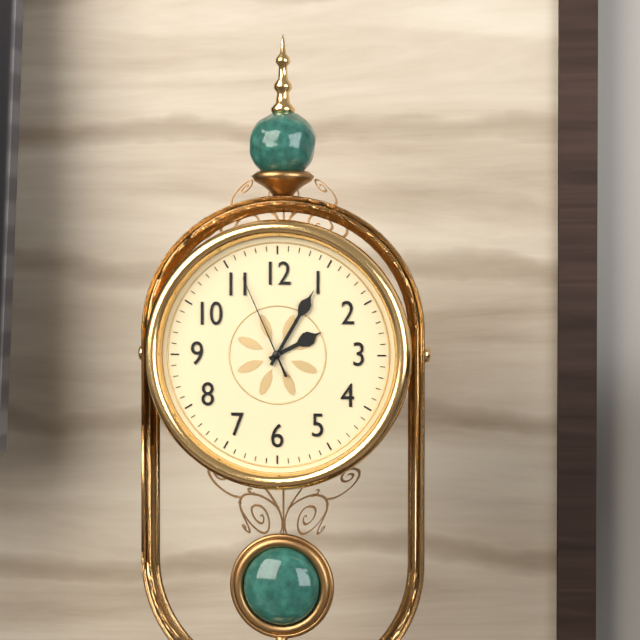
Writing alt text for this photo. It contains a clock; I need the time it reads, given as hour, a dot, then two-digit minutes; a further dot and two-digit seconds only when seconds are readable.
2.05.56
